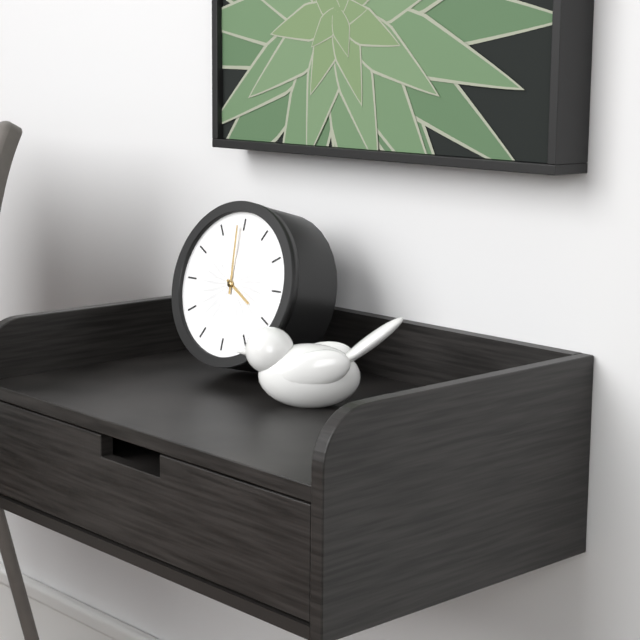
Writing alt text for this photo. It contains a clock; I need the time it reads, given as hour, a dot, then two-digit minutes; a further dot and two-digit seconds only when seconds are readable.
3.59
